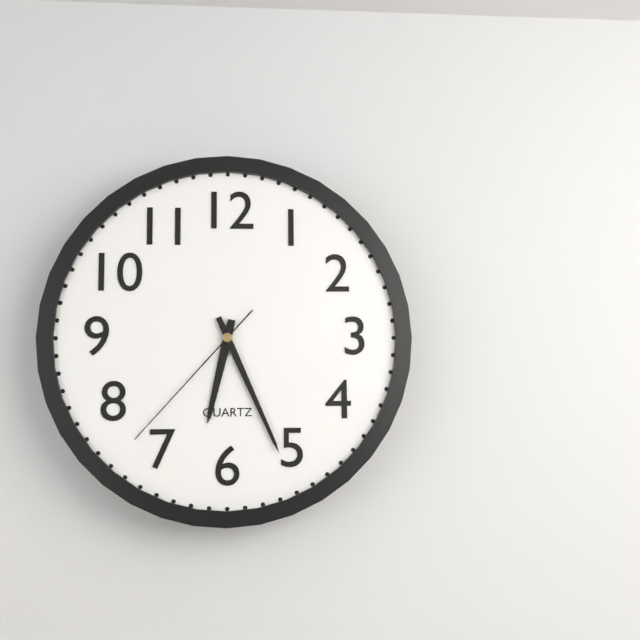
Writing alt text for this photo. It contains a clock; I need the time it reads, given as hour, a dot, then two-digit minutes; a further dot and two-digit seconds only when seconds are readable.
6.26.37
